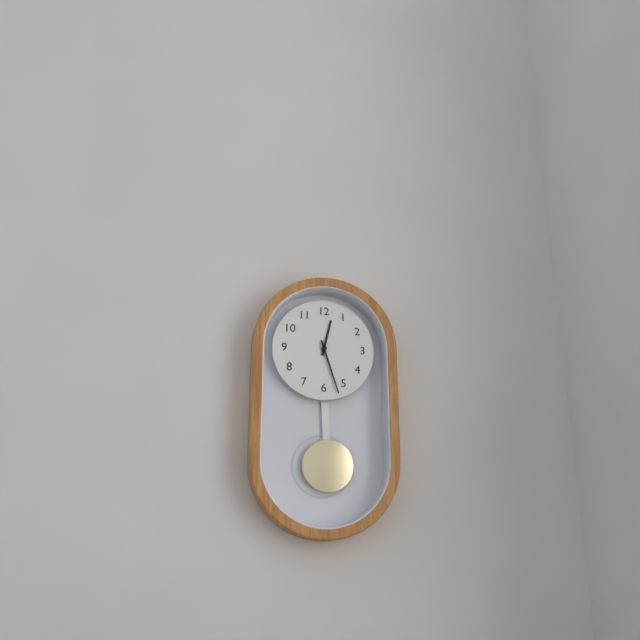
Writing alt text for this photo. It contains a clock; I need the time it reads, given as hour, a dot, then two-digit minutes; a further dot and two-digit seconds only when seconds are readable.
12.27
